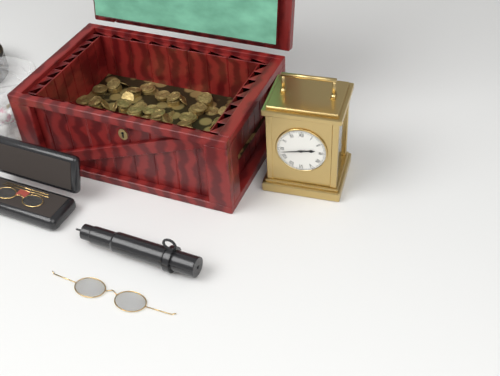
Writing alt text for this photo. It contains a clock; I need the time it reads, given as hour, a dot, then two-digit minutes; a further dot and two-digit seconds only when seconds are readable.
2.43
